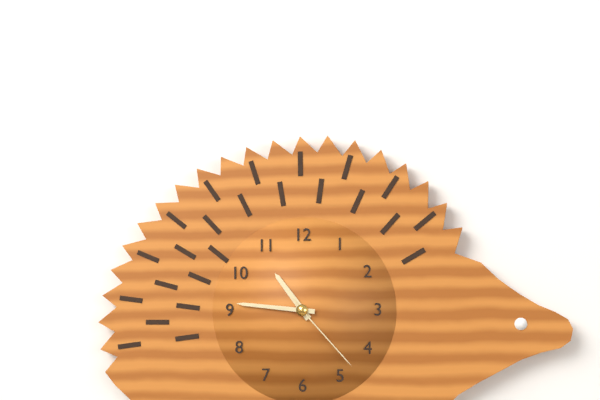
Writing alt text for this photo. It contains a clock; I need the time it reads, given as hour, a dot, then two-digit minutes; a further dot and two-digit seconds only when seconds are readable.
10.46.23
